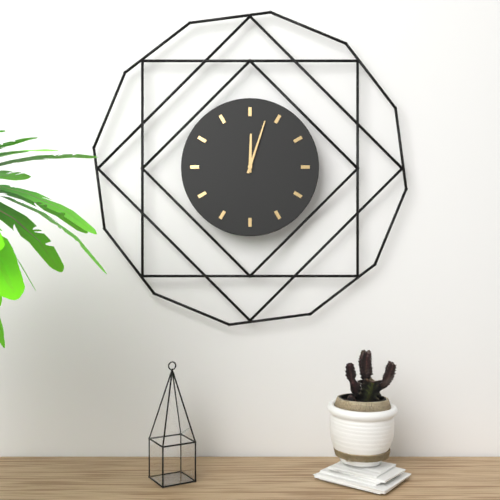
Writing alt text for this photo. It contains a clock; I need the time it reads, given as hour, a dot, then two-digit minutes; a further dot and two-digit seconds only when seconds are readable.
12.03
